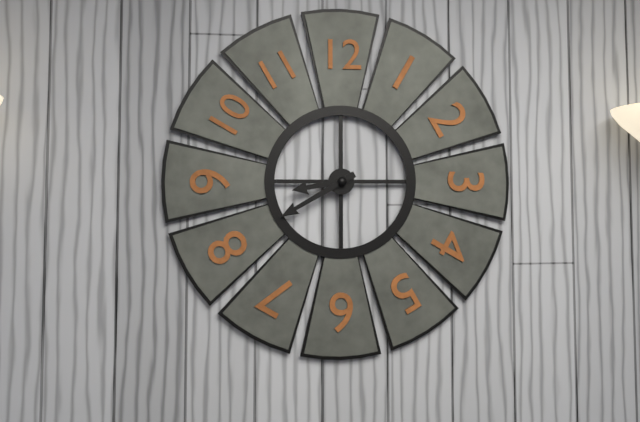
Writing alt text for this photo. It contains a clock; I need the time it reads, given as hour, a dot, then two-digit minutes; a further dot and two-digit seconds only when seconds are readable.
8.40
